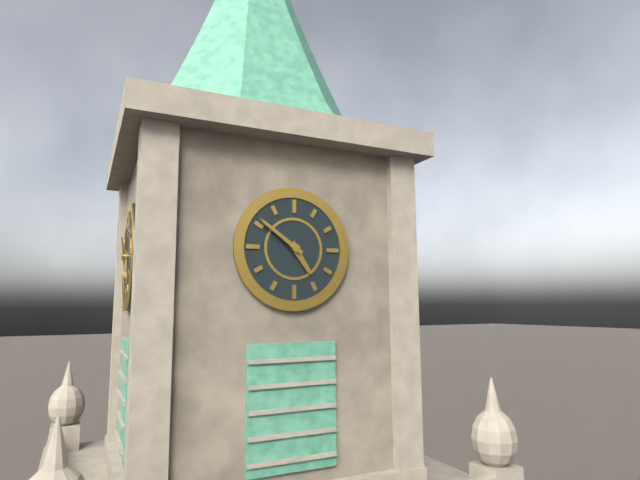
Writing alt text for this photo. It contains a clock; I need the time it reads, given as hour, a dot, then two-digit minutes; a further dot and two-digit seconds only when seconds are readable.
4.51
